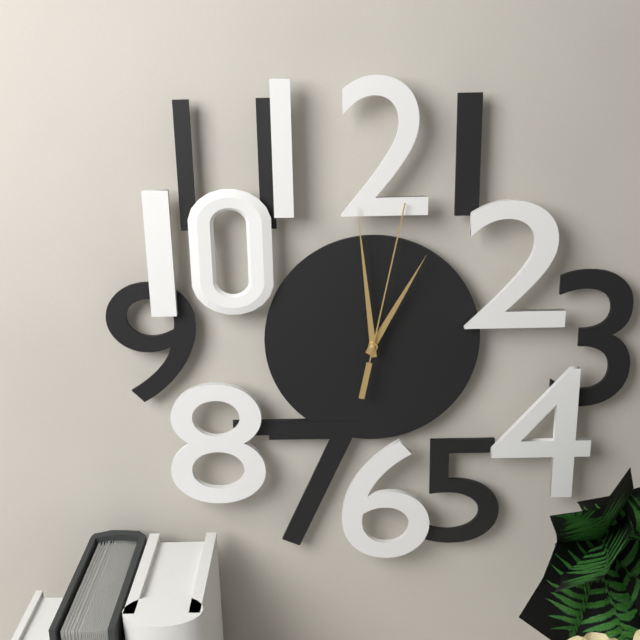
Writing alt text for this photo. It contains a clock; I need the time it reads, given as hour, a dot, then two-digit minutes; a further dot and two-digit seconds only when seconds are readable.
12.59.02
